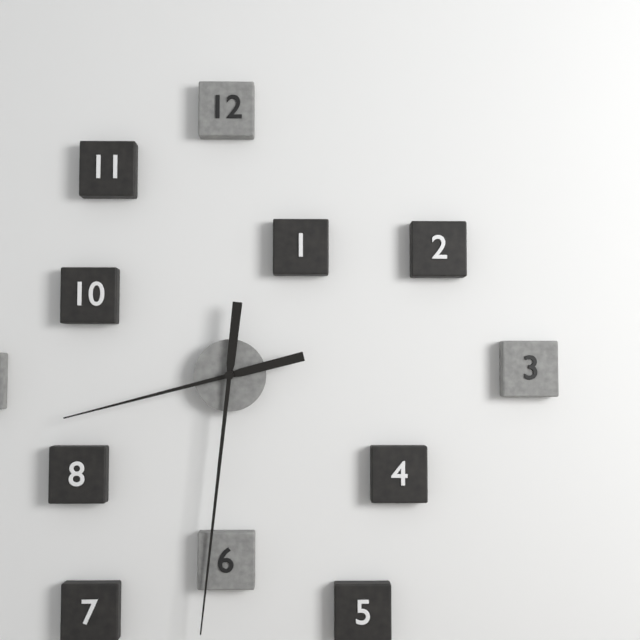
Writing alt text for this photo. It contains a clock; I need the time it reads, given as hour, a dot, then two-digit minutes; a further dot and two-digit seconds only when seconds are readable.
8.31
